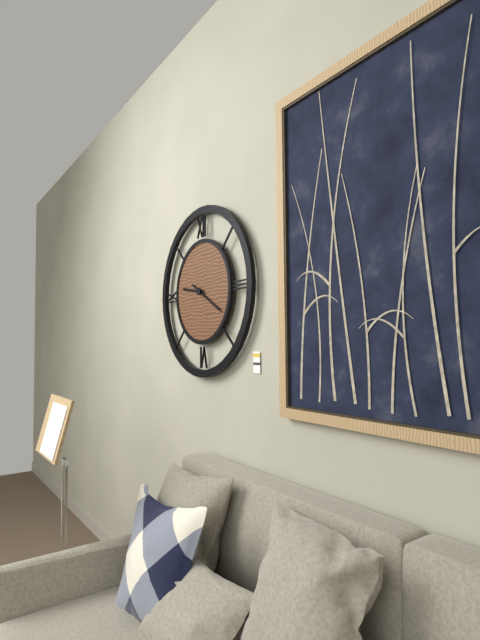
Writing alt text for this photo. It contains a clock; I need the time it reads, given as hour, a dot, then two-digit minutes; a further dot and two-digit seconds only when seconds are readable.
9.20
